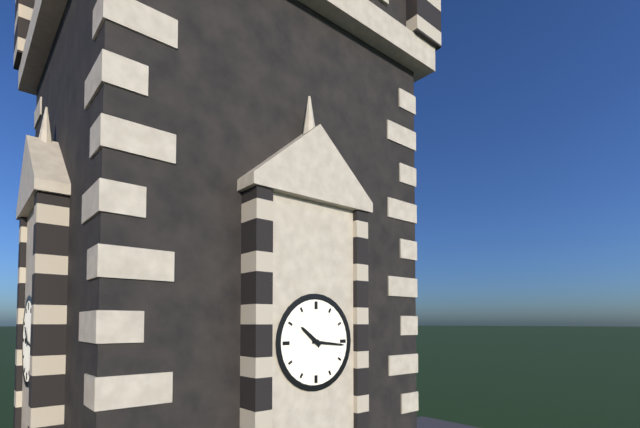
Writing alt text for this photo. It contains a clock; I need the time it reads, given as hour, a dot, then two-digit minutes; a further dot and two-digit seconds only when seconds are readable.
10.16
